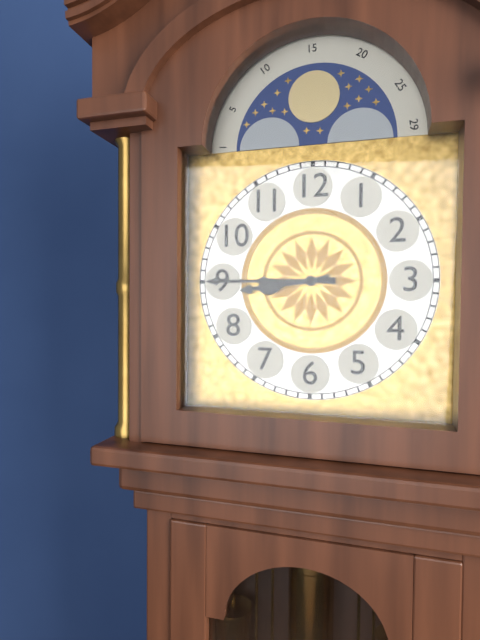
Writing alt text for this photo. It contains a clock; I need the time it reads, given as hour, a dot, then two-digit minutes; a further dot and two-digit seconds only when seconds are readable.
8.45
